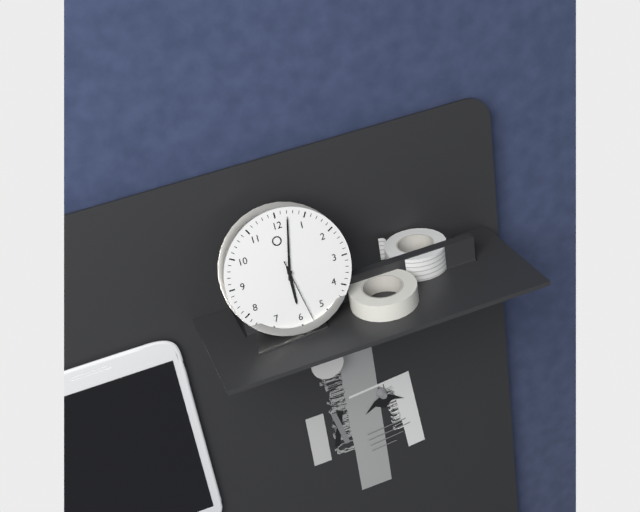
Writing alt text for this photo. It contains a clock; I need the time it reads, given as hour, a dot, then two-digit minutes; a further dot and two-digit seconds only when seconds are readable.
6.02.28
